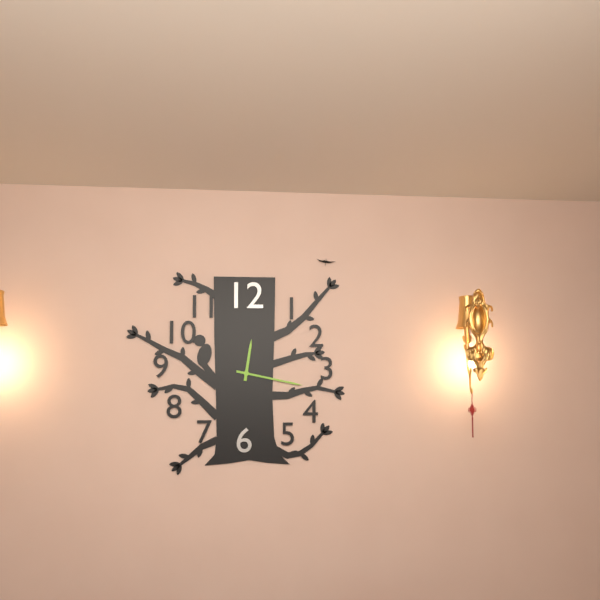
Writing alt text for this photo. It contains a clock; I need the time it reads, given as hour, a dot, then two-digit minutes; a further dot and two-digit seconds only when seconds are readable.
12.17
